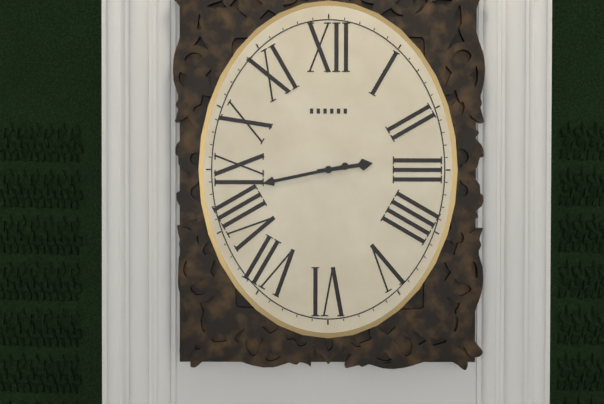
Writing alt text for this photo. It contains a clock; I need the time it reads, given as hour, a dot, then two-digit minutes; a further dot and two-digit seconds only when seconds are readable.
2.43
